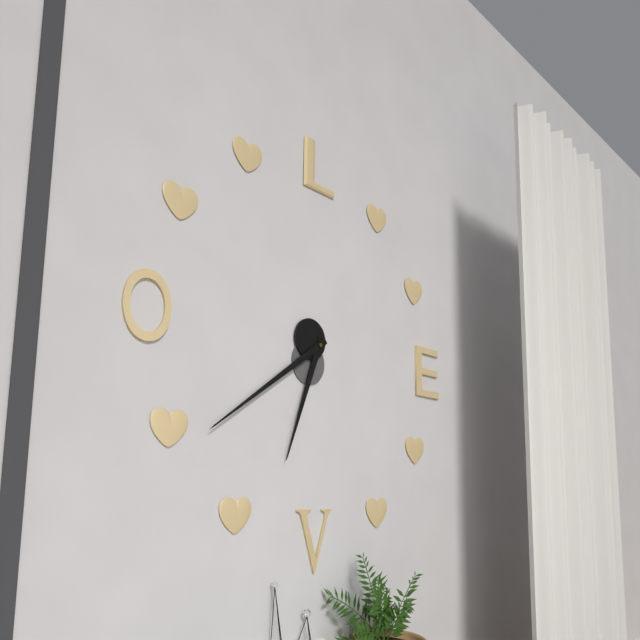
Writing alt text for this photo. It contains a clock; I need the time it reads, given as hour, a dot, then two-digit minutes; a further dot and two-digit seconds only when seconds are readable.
6.39
